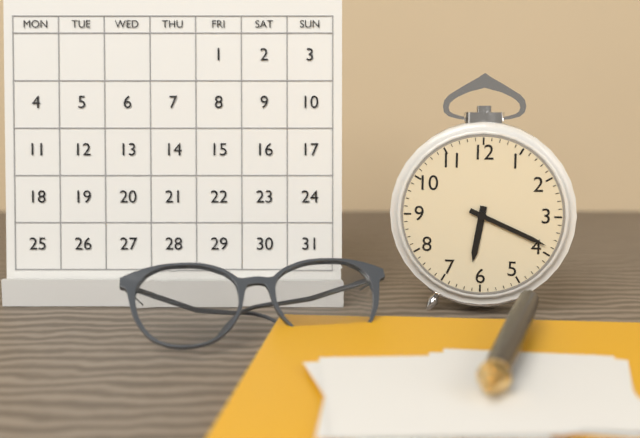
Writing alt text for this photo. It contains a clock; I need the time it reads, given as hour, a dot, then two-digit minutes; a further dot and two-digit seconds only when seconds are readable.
6.19
